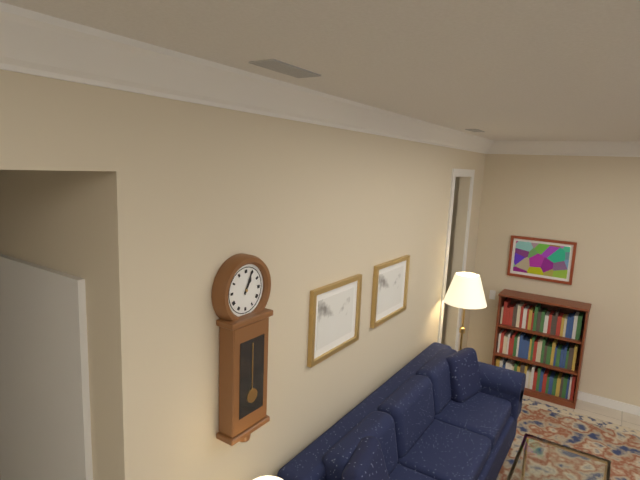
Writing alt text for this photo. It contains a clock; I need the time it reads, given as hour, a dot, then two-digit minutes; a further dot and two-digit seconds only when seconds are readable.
1.04
